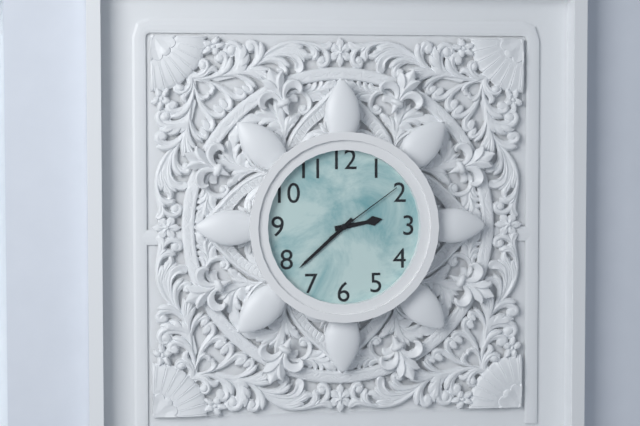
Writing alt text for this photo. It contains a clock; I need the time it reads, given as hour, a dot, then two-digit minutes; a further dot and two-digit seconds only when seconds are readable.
2.38.09
